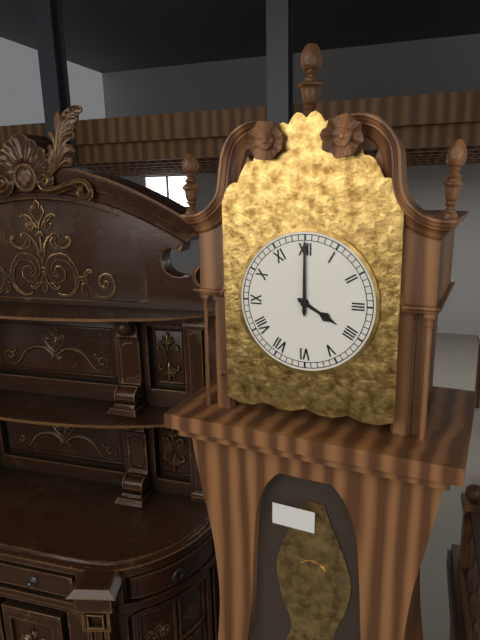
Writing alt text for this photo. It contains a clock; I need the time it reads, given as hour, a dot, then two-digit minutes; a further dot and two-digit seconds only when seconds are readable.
4.00
